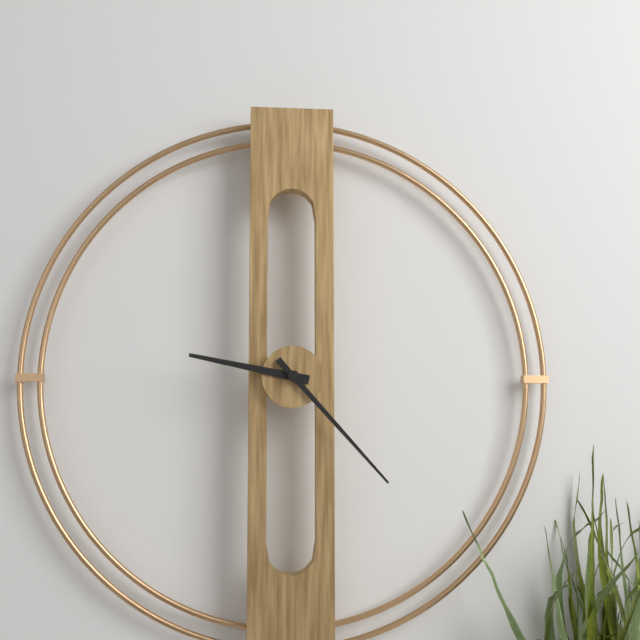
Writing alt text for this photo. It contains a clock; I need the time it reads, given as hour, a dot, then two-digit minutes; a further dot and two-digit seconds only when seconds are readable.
9.23
